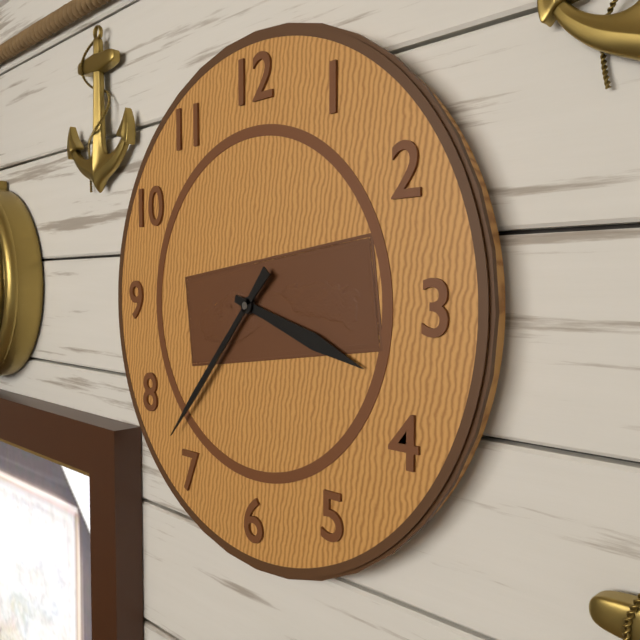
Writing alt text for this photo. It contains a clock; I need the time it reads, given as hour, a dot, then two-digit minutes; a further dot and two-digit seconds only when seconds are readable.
3.37
